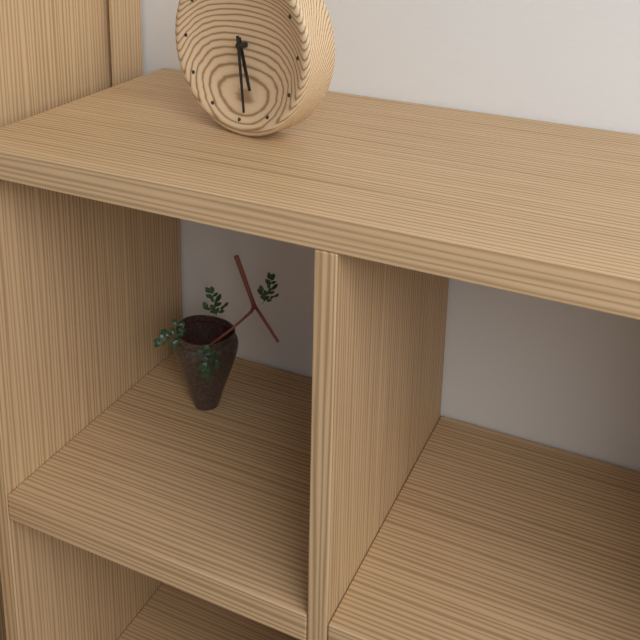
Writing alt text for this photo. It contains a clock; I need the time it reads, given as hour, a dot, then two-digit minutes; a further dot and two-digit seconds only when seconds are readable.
5.29
